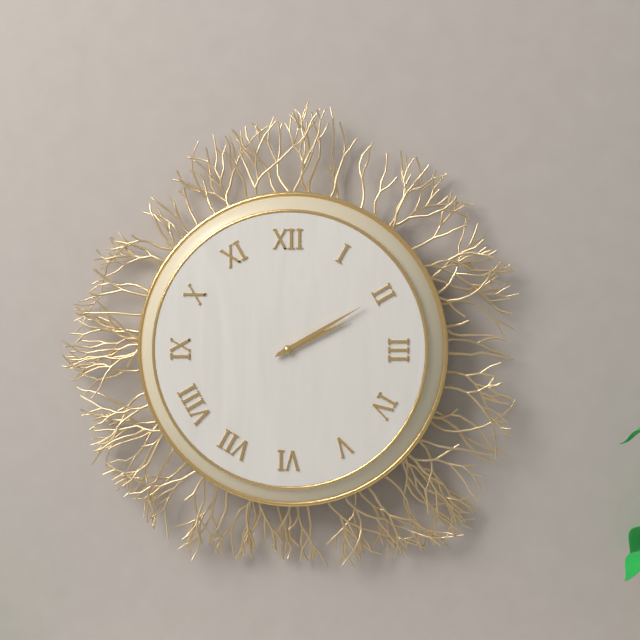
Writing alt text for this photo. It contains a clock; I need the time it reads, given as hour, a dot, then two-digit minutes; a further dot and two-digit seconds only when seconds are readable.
2.10
